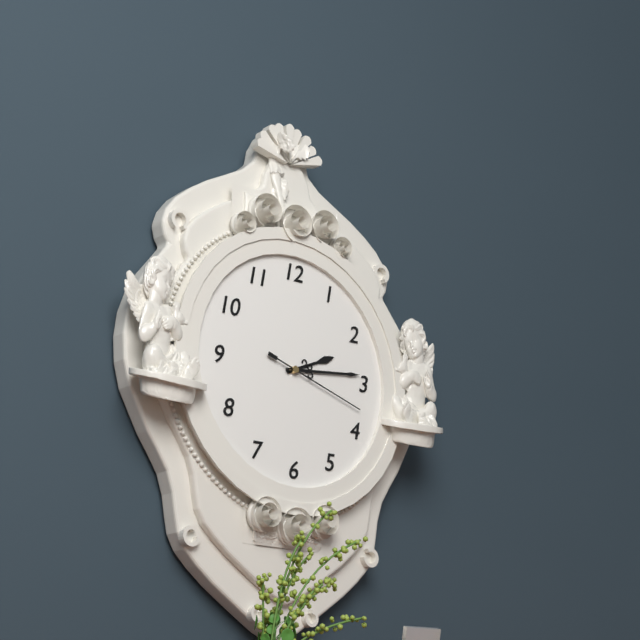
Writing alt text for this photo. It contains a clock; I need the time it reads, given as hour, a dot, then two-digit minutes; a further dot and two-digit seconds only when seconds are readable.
2.14.18
